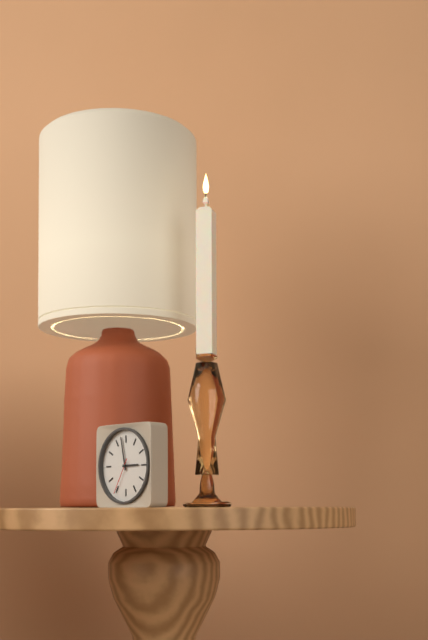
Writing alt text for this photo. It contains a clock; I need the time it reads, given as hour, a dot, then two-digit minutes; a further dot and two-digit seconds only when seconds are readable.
2.58
